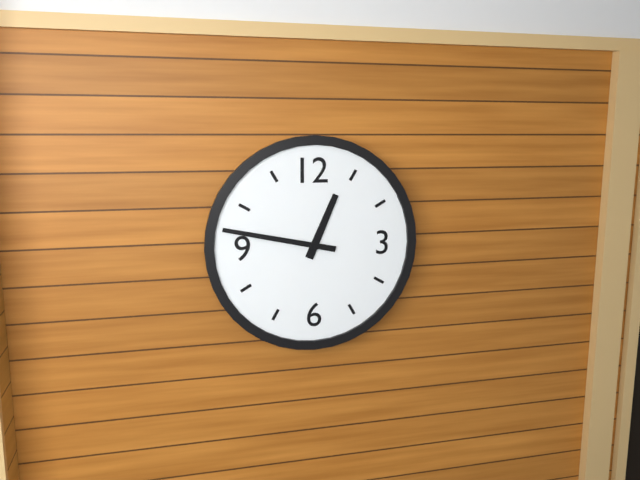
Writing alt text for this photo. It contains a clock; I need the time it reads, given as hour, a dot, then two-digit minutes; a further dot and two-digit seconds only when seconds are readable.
12.47
